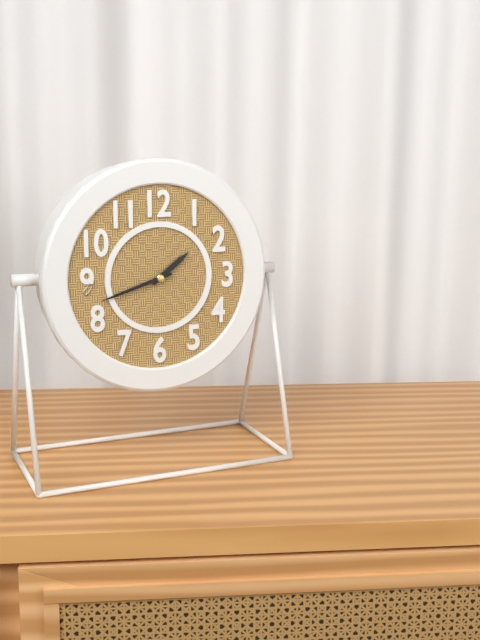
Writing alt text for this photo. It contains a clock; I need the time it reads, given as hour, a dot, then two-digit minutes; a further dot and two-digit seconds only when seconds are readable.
1.42
